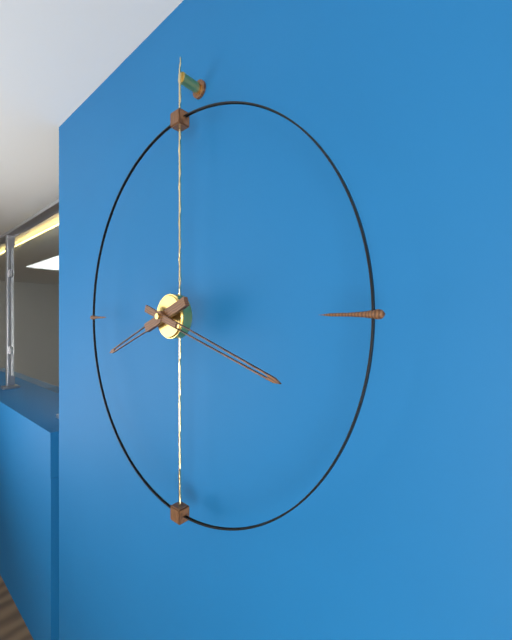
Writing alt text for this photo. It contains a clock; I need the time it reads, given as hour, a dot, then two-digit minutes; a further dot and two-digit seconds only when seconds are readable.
8.18
